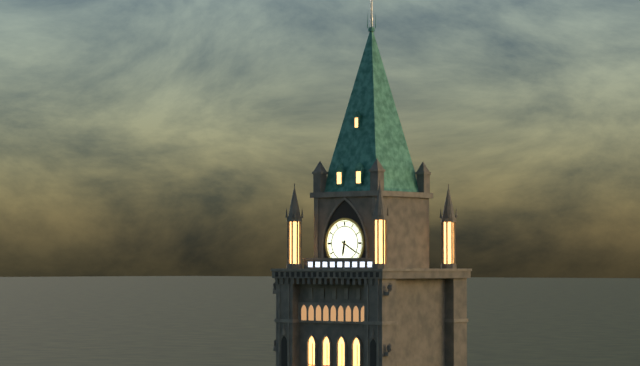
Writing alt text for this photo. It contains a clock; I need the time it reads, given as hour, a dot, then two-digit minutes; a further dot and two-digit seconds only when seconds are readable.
6.20
